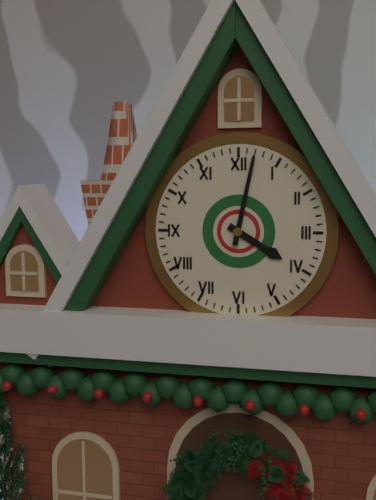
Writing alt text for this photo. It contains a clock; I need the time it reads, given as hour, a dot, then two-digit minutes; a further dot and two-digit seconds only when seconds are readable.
4.02
